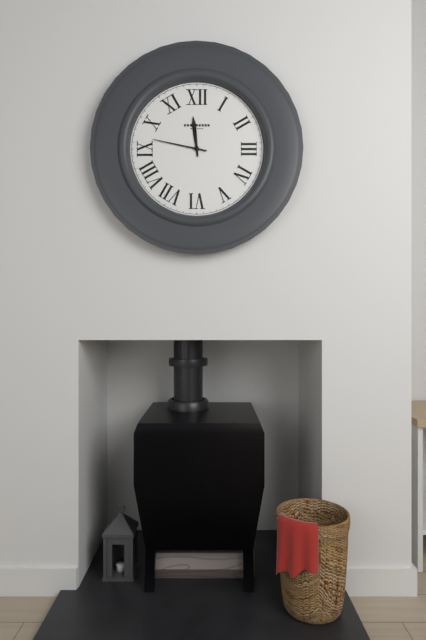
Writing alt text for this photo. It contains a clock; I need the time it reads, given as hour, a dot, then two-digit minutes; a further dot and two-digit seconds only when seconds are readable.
11.47
